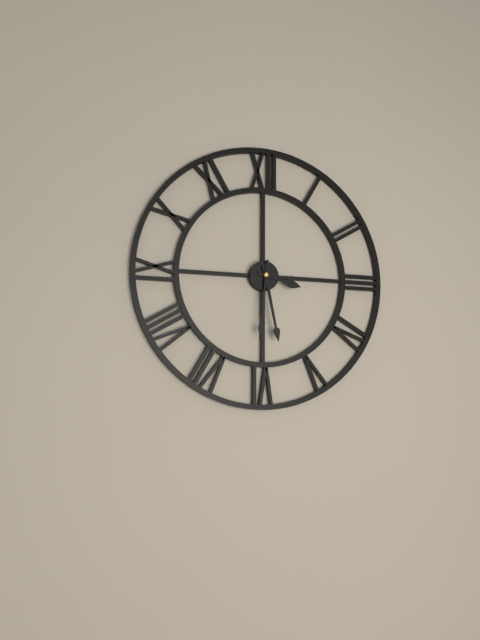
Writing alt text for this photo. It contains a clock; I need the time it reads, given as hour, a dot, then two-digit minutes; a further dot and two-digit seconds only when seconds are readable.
3.28.31
